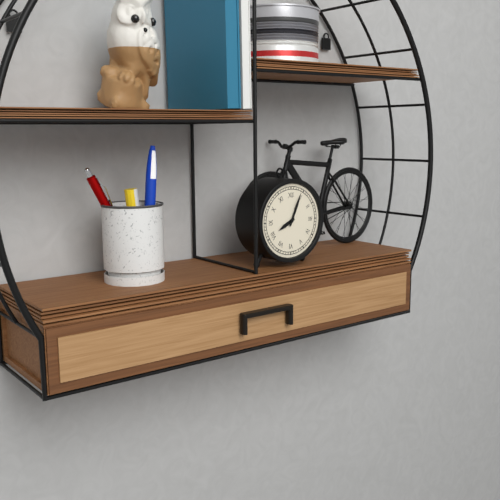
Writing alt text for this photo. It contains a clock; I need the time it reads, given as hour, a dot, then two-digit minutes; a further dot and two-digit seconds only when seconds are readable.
8.04
